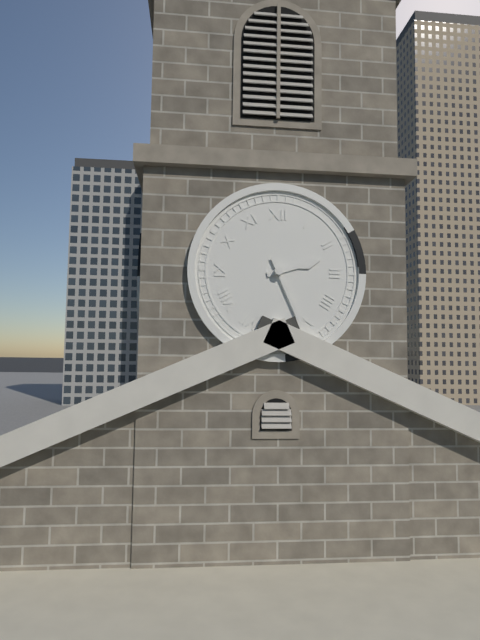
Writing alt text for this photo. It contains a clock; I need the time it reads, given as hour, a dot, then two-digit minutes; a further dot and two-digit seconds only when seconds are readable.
2.26
